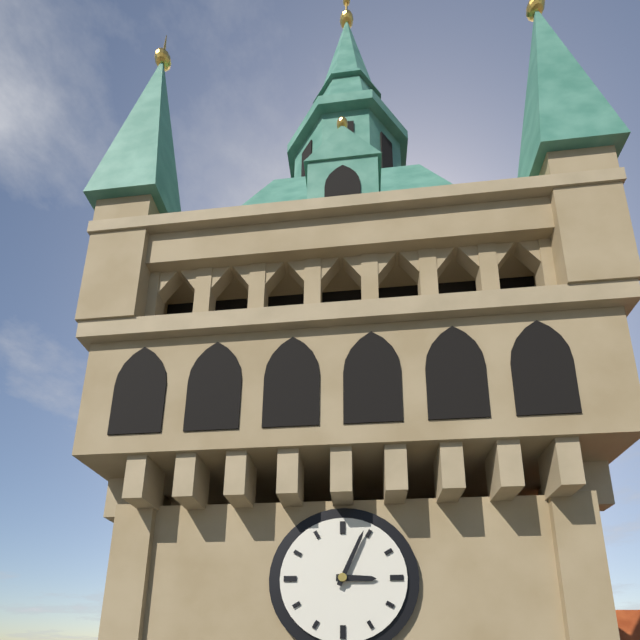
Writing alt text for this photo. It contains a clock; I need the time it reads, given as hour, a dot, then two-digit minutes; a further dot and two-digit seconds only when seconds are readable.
3.04
